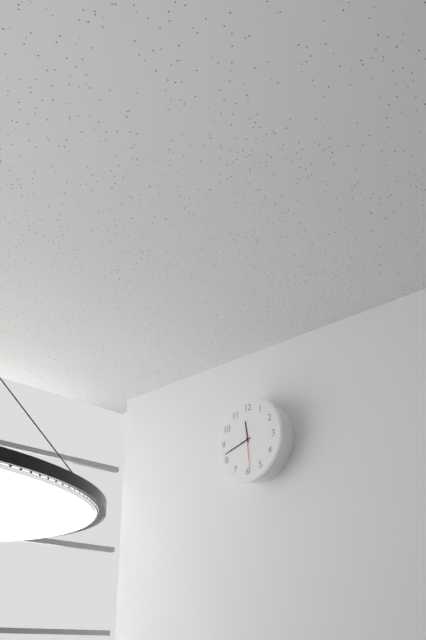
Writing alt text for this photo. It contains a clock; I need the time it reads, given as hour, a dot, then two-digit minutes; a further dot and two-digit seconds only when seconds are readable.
11.42
